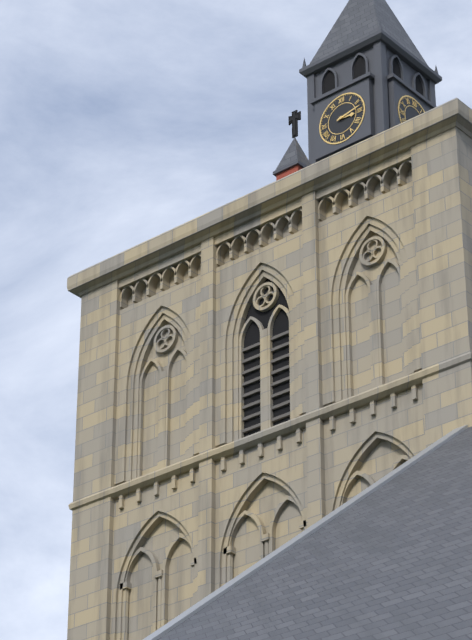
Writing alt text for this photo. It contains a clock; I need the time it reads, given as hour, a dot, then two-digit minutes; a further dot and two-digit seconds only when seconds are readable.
3.13
